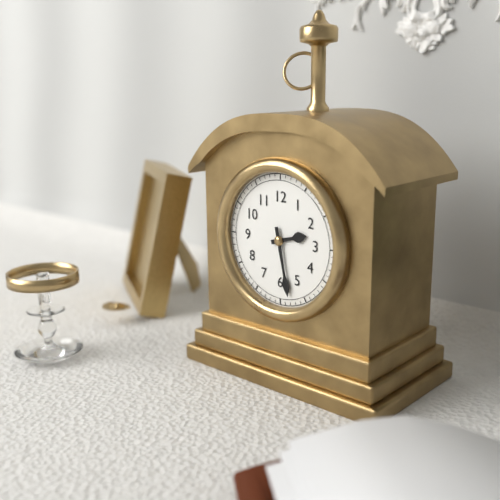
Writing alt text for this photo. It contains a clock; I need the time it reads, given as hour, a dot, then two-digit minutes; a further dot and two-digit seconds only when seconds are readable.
2.28
